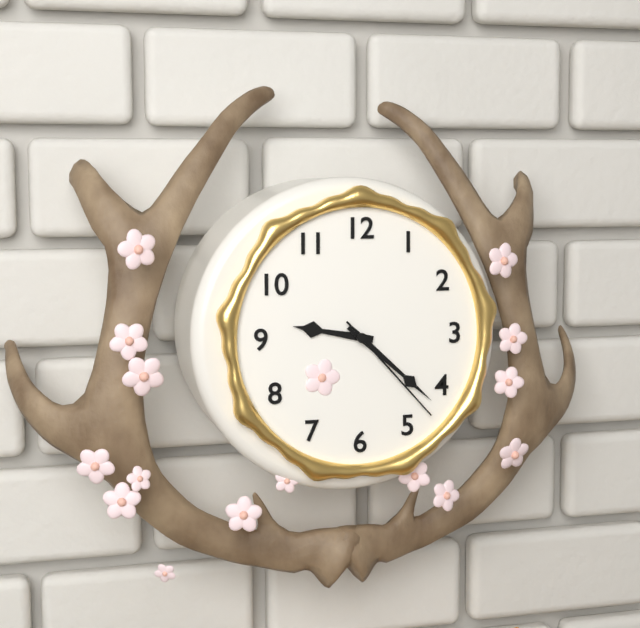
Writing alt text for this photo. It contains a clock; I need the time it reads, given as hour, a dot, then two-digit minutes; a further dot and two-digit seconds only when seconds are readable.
9.22.23
